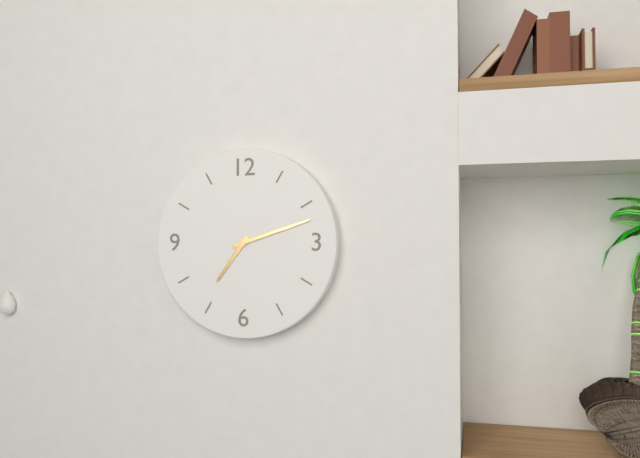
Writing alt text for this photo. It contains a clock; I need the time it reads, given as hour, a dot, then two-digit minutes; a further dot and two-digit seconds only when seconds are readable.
7.12
